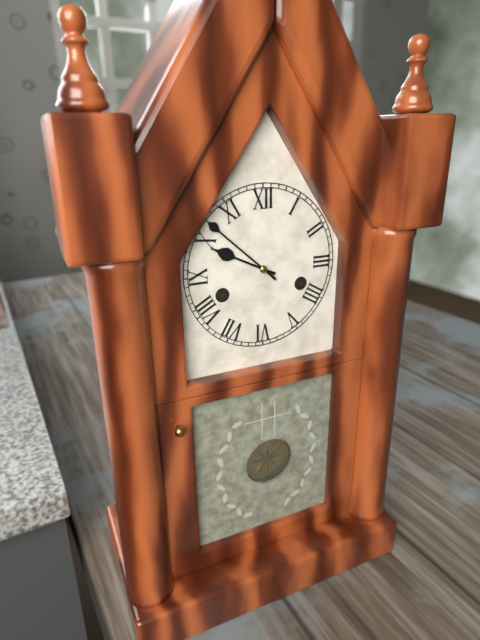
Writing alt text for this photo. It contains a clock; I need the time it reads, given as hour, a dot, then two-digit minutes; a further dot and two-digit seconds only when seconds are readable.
9.52
